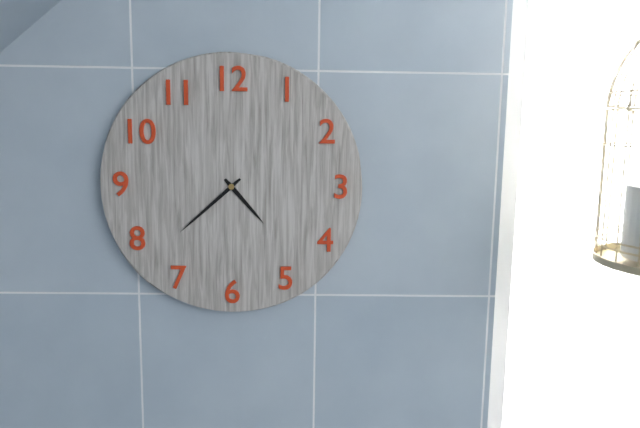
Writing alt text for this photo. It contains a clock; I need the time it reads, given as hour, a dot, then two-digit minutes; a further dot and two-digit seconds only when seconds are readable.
4.38
